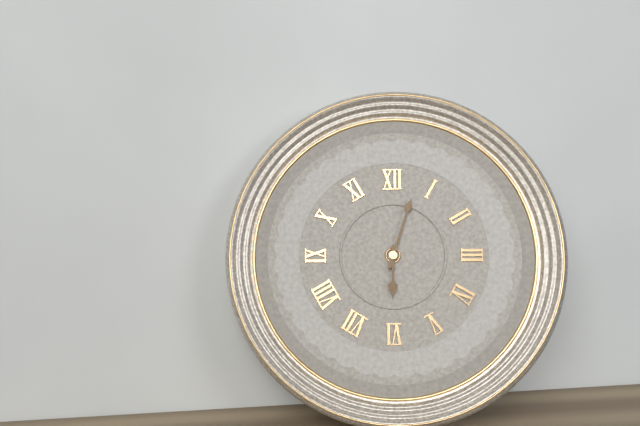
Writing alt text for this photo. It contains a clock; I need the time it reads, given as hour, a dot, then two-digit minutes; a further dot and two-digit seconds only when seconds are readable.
6.03
